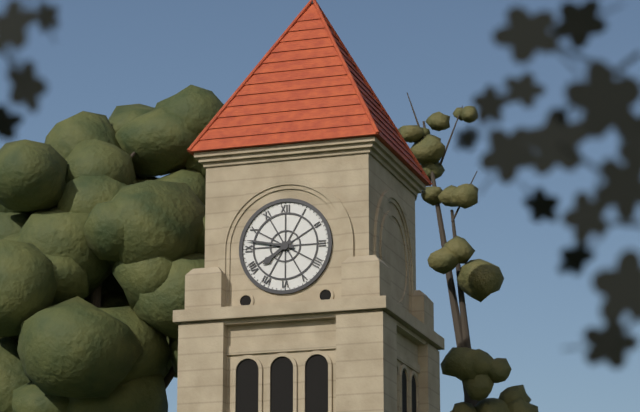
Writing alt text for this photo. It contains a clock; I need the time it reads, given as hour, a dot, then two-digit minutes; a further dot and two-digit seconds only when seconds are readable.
7.47
